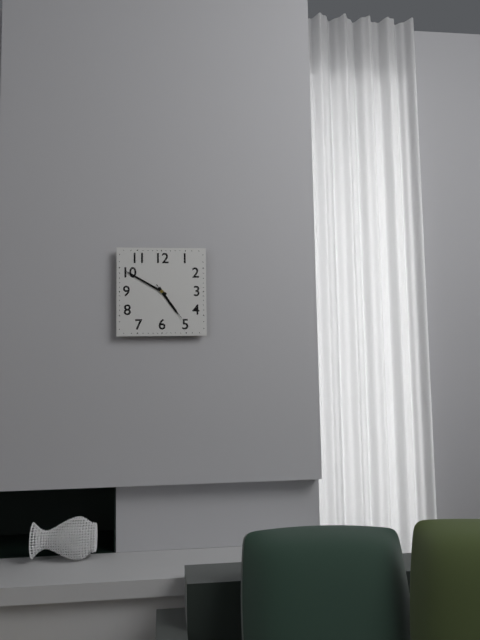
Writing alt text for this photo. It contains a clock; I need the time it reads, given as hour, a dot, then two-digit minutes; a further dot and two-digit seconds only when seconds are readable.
4.50
